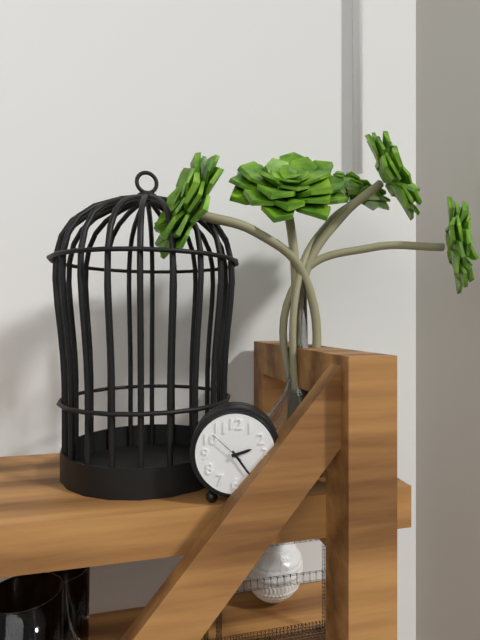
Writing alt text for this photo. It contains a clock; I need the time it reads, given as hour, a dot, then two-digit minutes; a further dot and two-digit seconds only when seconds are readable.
2.24
